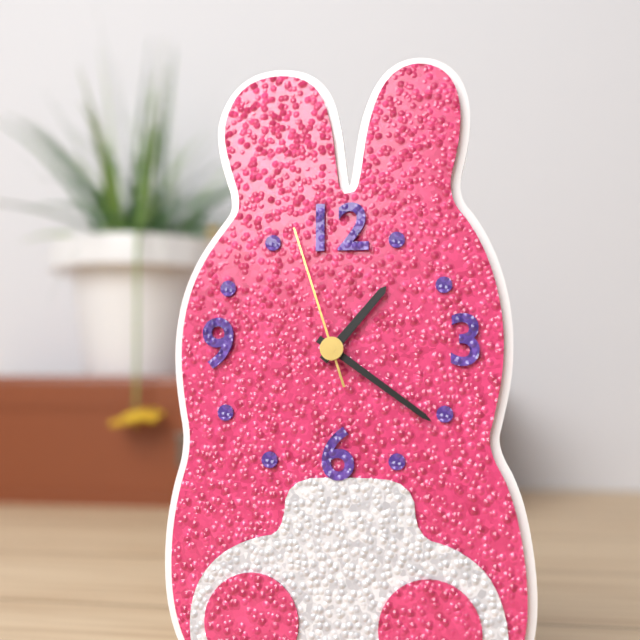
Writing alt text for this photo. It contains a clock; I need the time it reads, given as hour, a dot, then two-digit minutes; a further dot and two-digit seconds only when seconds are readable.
1.21.57
